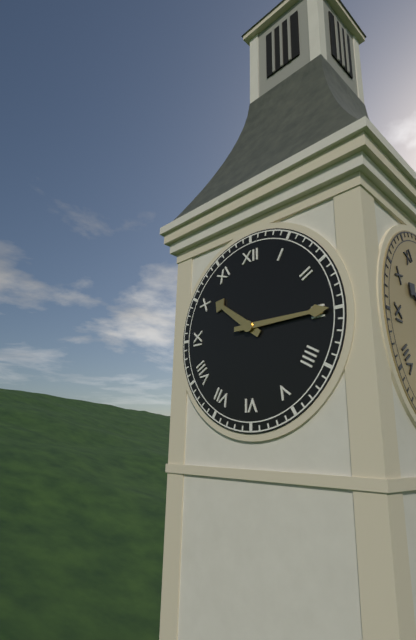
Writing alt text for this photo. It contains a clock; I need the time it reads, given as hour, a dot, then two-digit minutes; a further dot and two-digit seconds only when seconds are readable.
10.15
